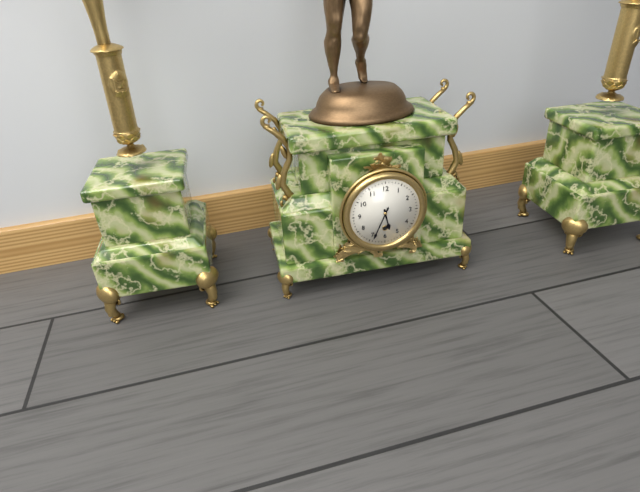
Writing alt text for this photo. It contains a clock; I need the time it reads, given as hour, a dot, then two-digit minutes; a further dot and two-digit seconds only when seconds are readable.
5.34
